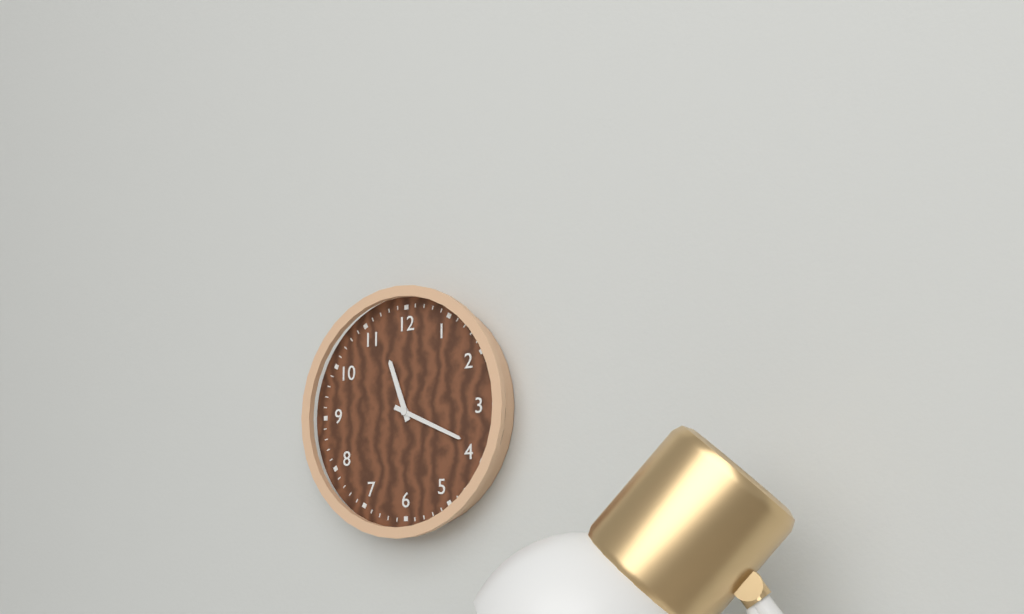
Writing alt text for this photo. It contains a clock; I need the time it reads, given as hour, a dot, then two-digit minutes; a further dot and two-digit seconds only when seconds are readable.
11.19
